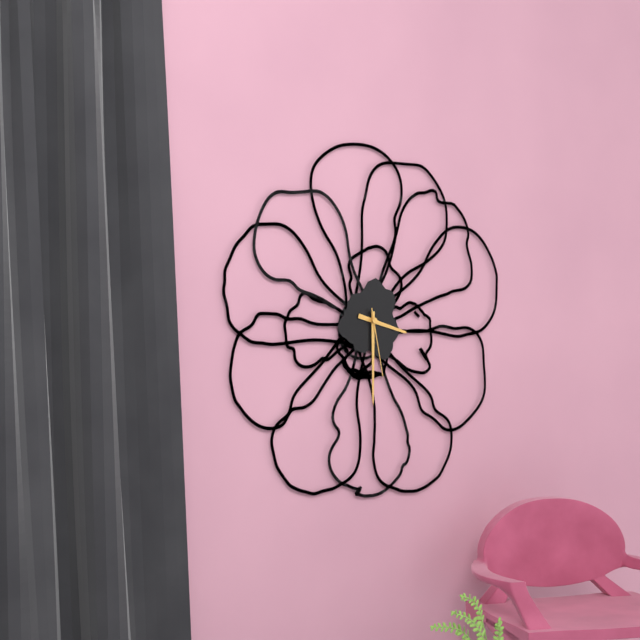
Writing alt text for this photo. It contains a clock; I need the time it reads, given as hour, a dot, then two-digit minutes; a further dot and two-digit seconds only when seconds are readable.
3.30.28
